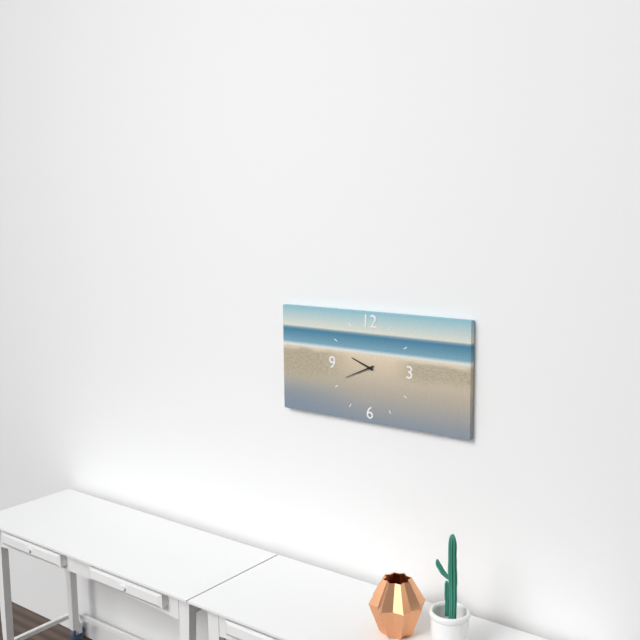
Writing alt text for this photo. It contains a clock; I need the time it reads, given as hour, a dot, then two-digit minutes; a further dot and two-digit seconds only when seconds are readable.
9.41
